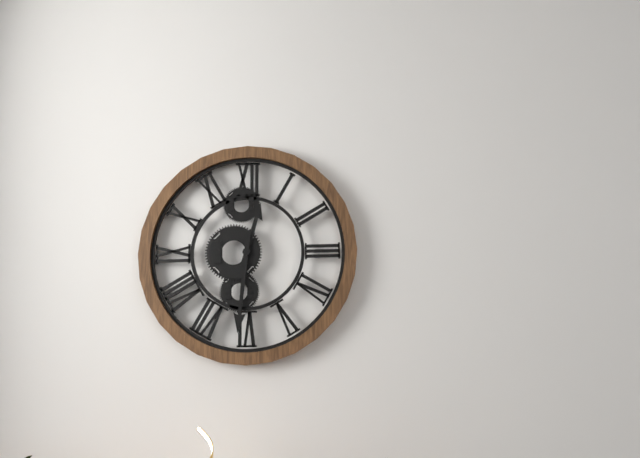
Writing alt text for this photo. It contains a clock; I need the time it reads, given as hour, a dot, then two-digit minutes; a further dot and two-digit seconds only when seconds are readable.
12.31
